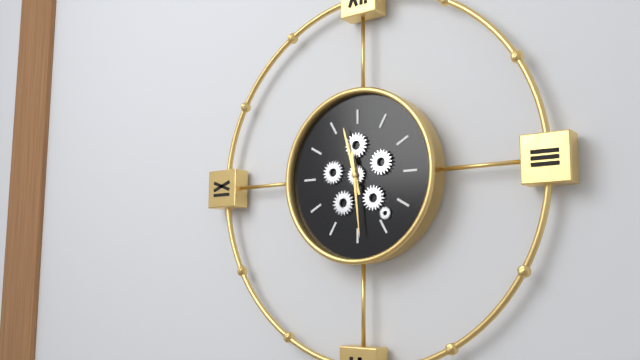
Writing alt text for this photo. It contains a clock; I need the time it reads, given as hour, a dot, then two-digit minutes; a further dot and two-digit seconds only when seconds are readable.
11.29
